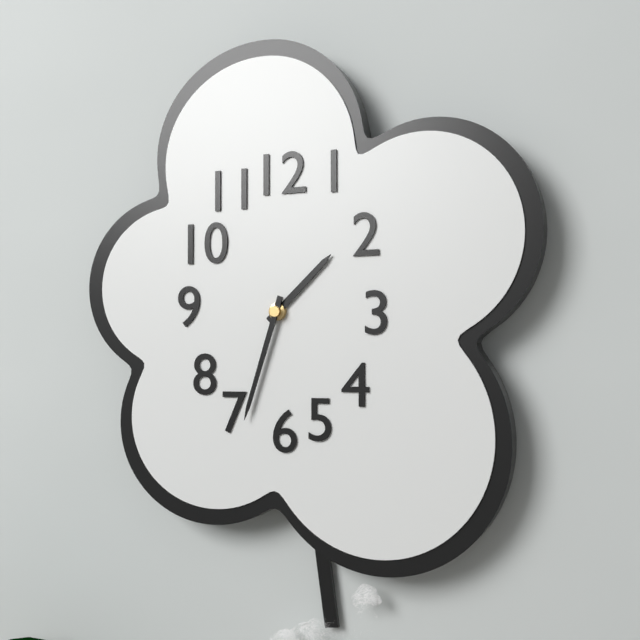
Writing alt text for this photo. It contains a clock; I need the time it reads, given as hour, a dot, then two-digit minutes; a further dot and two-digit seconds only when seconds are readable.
1.33
